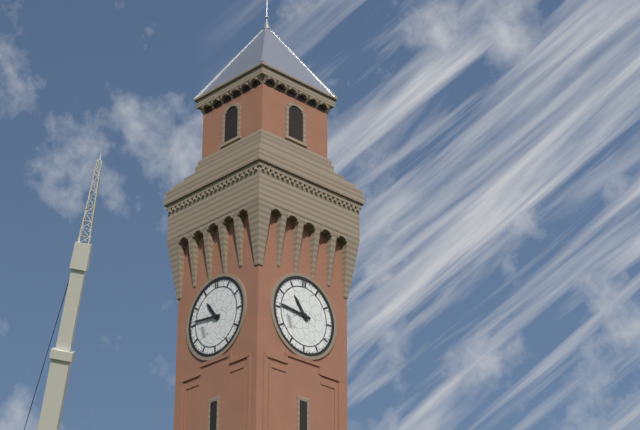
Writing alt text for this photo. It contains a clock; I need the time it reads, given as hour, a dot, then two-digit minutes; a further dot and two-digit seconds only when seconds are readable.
10.46
